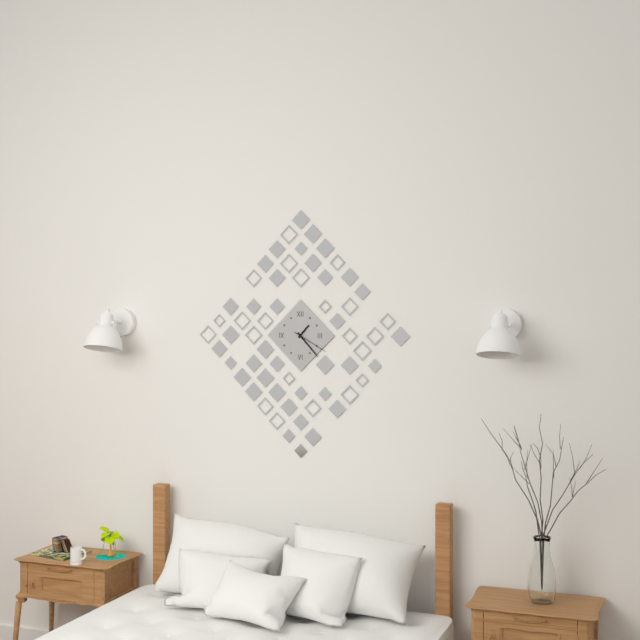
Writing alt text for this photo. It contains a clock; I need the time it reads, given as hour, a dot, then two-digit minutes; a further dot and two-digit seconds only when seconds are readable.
1.23
